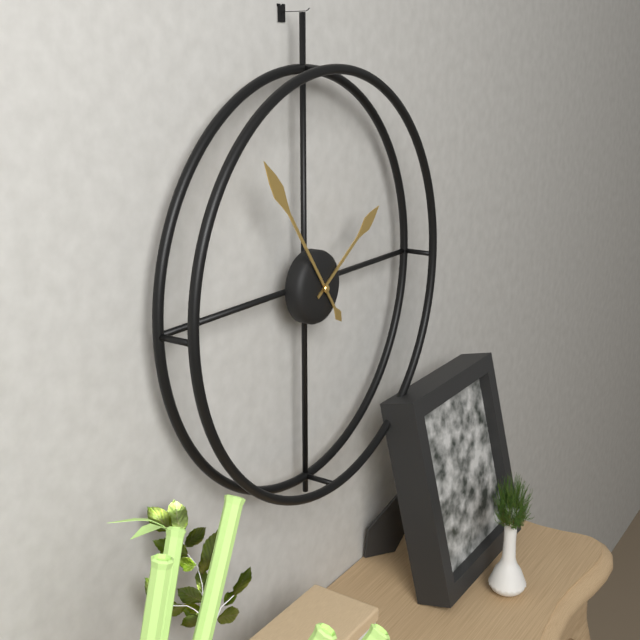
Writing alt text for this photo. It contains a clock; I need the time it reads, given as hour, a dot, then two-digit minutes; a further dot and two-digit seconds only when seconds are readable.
1.54
